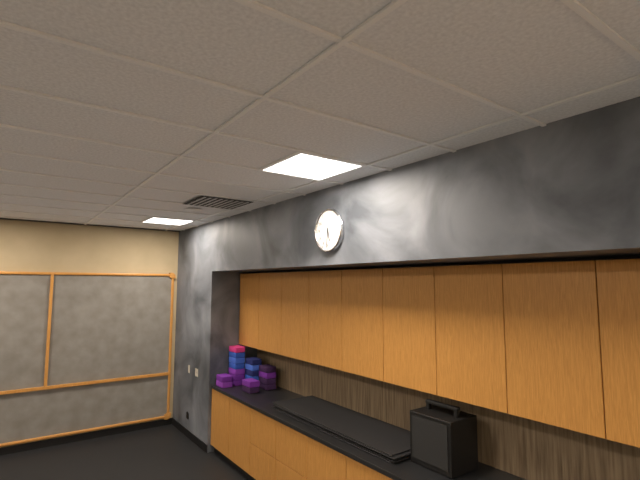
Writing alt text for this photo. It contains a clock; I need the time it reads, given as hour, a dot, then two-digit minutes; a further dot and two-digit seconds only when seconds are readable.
5.31
